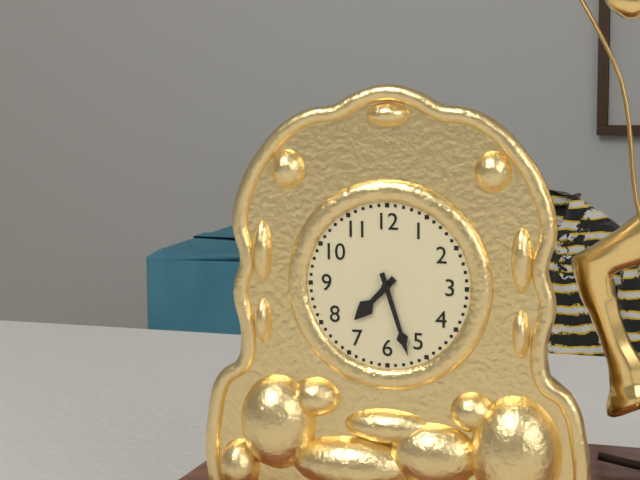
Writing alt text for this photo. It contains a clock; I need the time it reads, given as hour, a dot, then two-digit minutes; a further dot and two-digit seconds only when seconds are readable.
7.27
